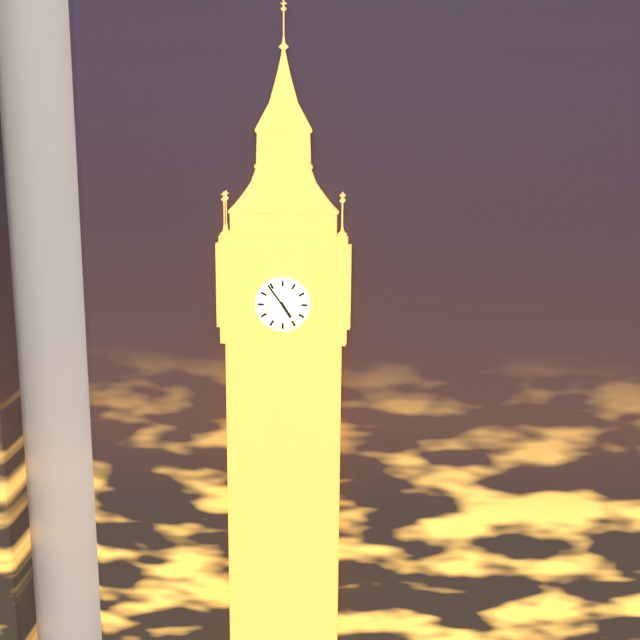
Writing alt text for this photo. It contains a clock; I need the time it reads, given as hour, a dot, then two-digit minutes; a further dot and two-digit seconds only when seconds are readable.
4.54
